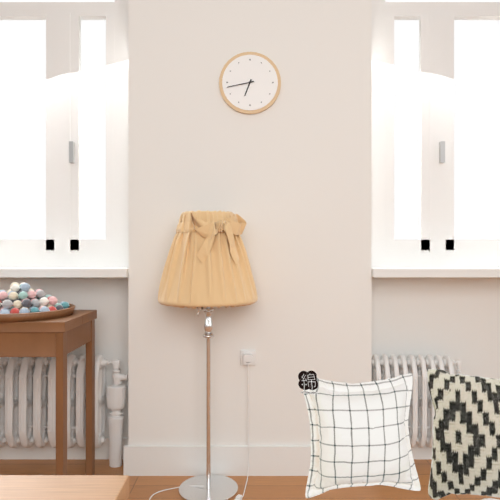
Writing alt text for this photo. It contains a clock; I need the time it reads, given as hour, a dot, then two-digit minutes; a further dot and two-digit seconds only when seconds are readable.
6.43
